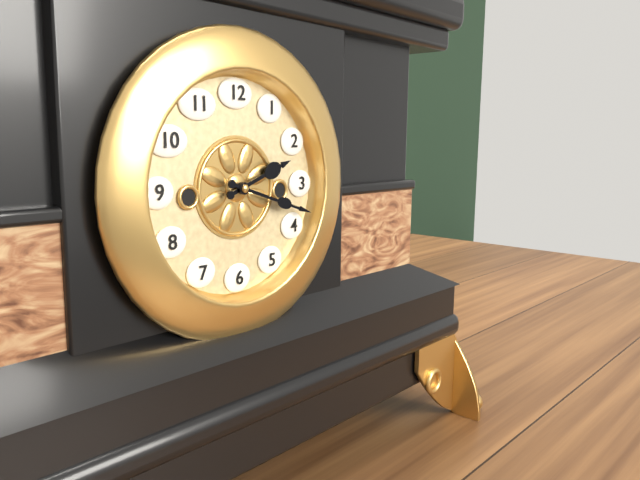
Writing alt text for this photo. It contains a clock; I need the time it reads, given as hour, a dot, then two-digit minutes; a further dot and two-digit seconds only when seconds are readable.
2.18
